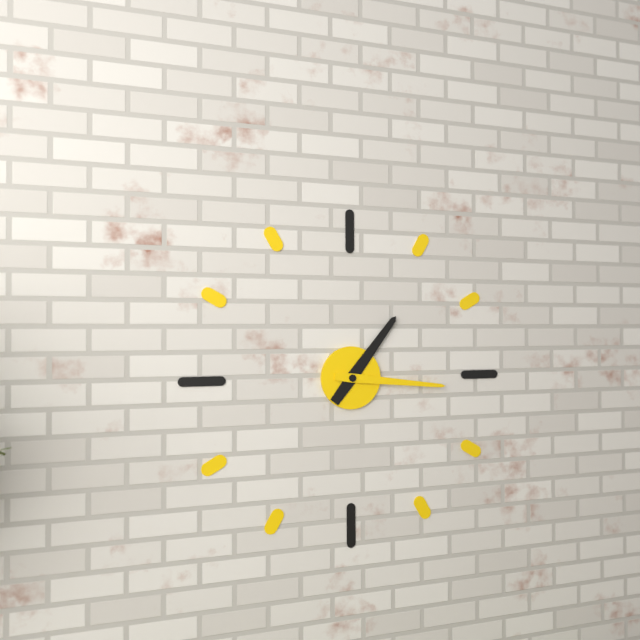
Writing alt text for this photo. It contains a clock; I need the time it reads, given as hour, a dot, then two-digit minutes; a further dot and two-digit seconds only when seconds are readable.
1.16
